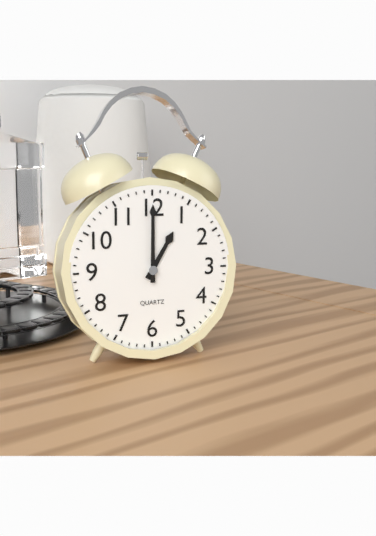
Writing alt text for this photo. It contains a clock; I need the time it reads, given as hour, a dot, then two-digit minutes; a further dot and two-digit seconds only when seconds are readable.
1.00
